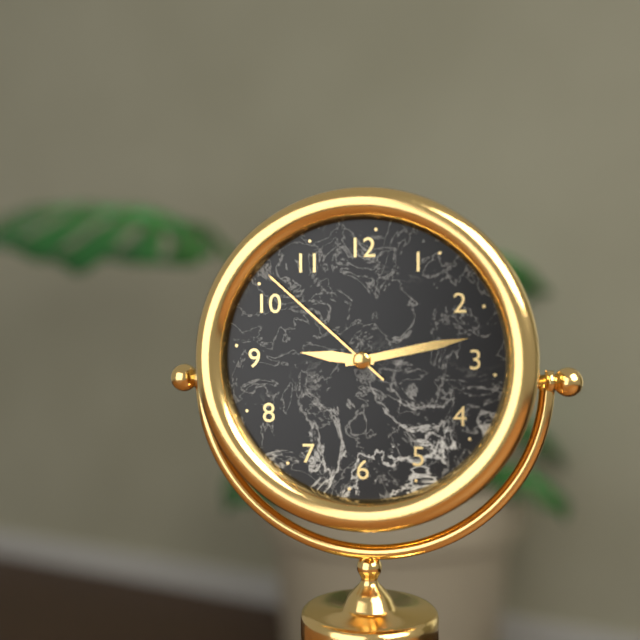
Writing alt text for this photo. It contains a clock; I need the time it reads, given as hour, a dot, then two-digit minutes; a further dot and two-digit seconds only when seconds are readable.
9.13.52
